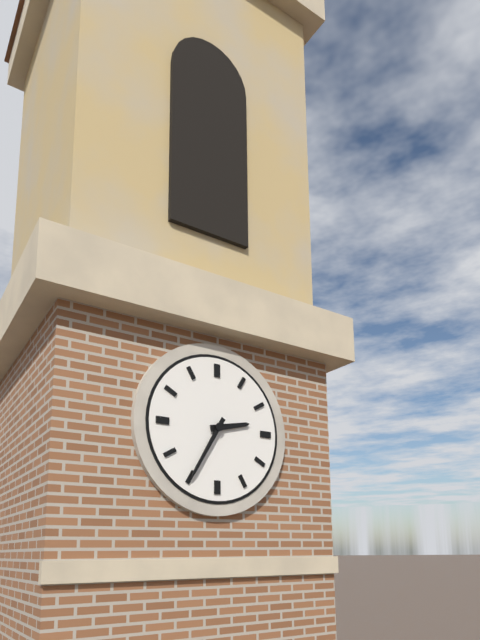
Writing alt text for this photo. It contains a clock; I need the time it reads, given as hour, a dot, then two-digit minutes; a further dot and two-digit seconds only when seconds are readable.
2.35
